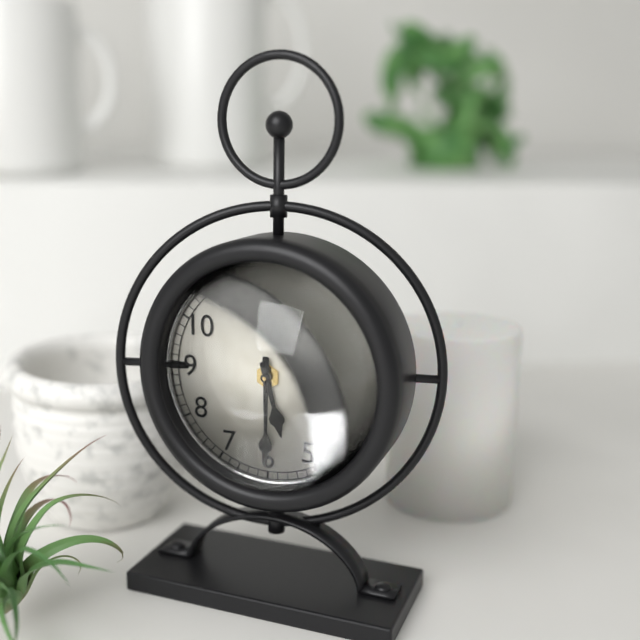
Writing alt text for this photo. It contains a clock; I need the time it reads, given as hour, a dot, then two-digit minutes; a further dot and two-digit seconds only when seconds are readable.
5.30
